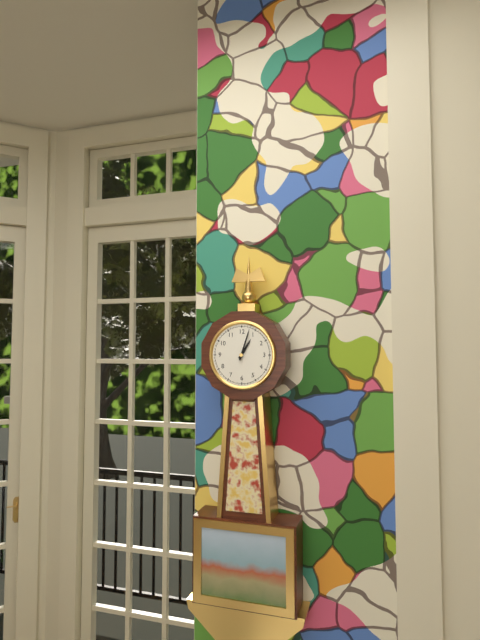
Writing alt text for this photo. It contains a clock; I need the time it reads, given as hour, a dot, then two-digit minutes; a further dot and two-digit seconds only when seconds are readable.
1.03
